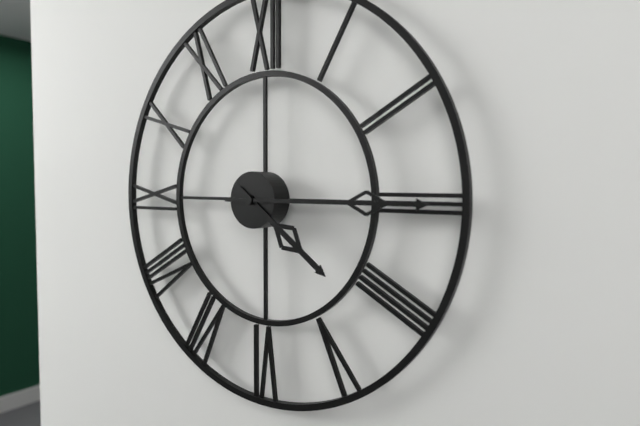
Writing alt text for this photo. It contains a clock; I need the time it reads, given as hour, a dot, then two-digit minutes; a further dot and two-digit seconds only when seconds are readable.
4.15
